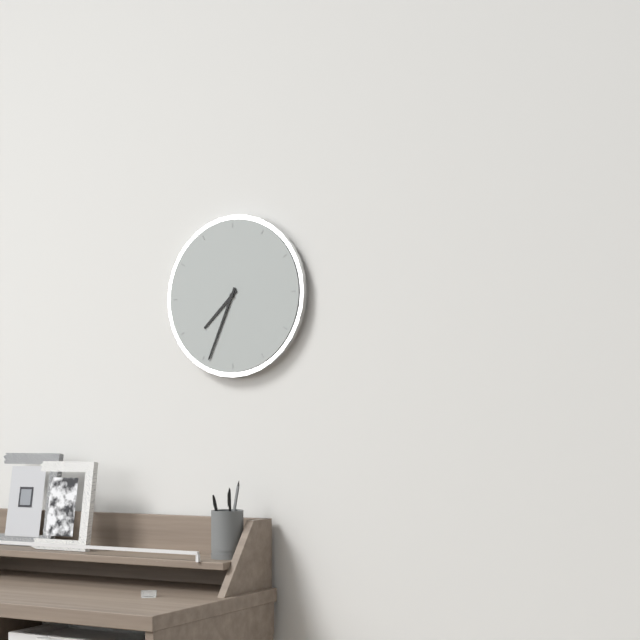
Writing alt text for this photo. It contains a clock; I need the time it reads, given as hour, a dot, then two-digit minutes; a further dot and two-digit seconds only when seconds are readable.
7.34
